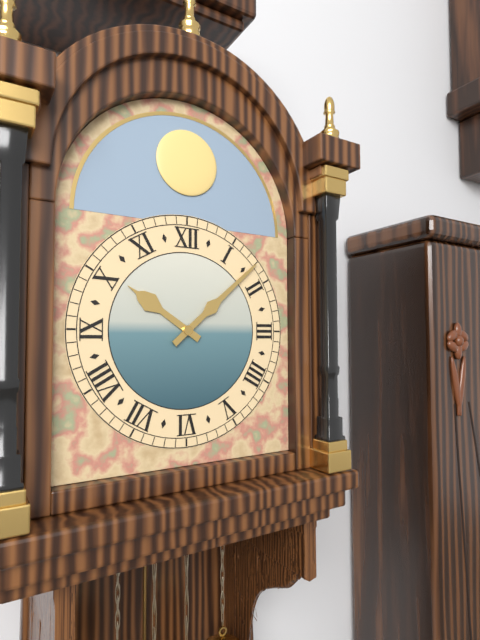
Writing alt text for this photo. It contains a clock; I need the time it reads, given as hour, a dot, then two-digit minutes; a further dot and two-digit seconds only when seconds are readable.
10.08
